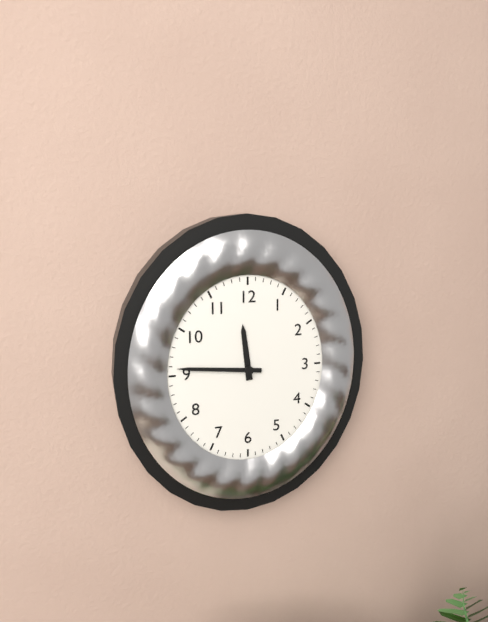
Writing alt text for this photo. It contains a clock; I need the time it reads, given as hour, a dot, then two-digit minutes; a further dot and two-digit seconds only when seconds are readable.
11.46
